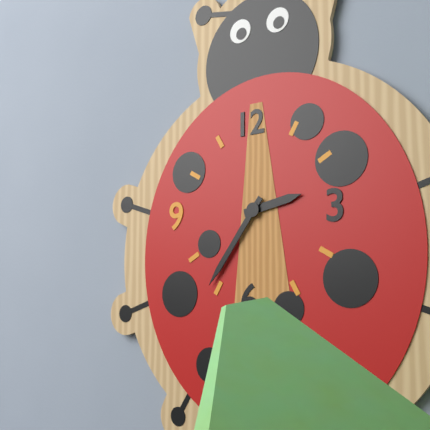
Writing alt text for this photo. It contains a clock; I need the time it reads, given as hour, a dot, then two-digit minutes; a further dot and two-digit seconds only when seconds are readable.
2.36
